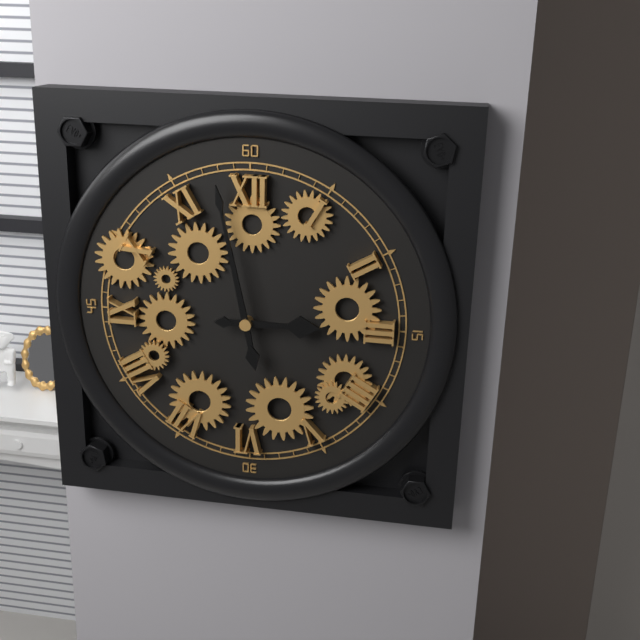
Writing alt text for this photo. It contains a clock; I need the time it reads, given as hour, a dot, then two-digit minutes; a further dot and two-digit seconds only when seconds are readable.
2.58
